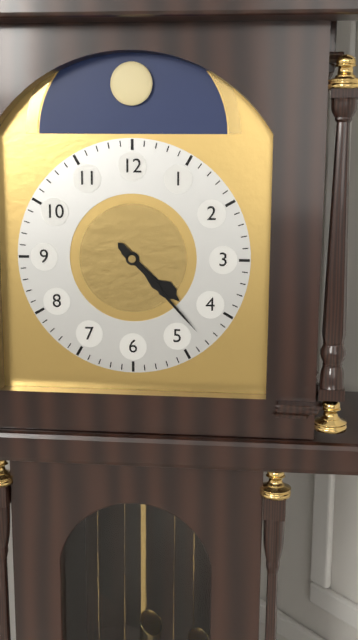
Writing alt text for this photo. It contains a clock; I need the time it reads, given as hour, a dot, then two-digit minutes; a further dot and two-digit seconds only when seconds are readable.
4.23
